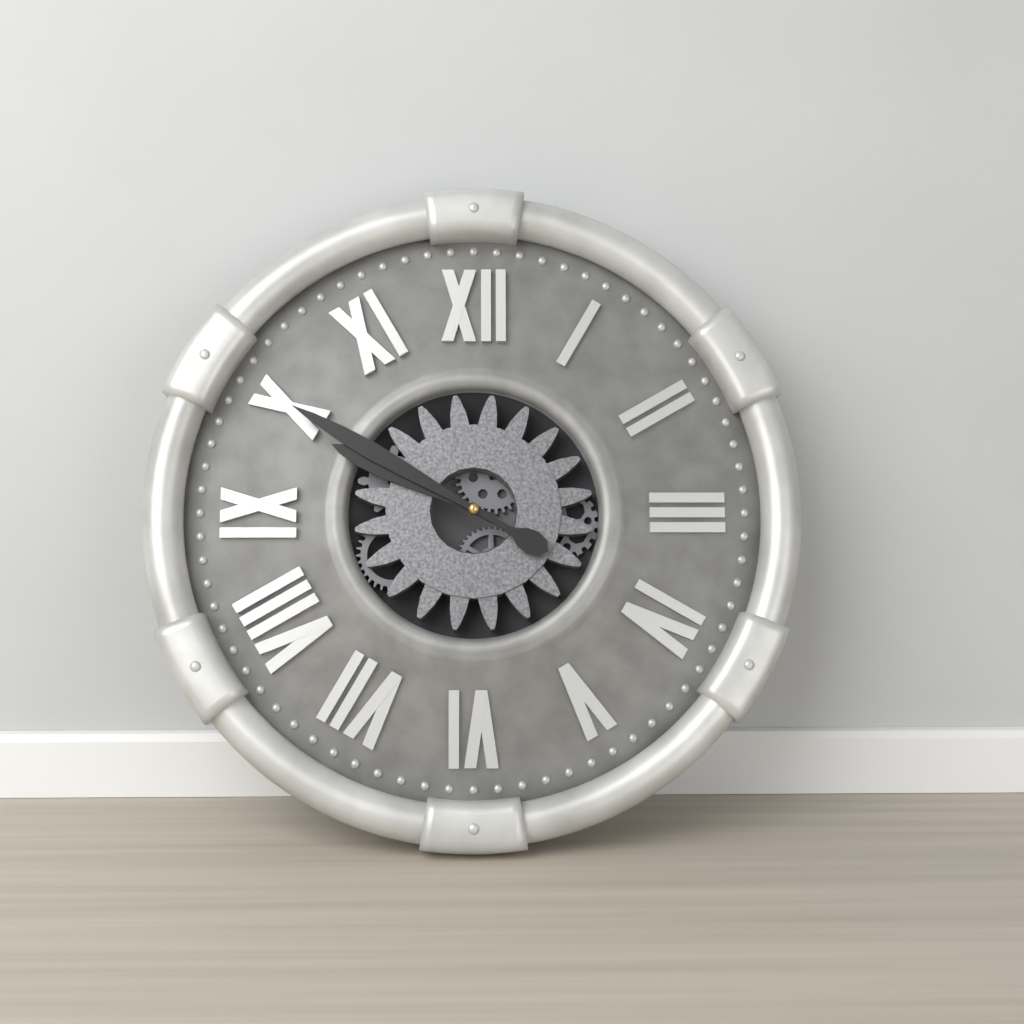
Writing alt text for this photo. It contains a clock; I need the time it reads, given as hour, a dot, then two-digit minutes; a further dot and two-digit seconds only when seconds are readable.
9.50
